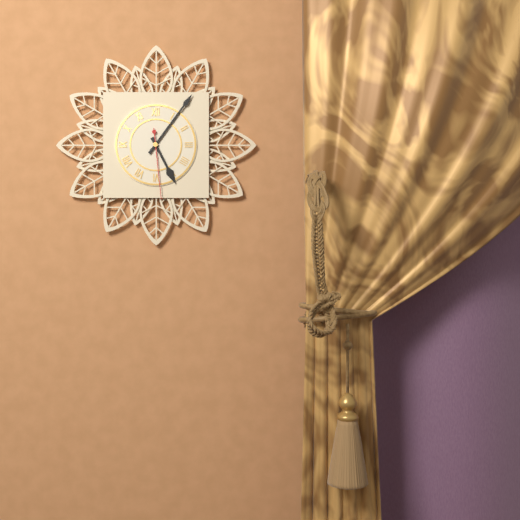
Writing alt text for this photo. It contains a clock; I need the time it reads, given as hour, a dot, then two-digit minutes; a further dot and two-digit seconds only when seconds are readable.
5.06.29
